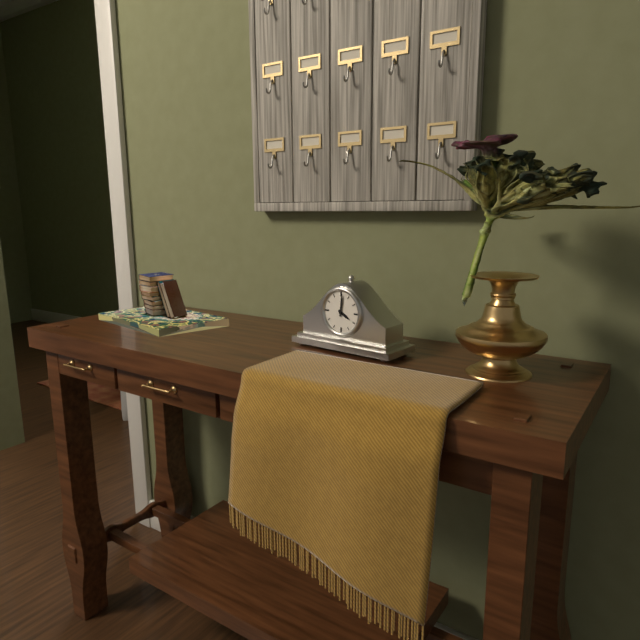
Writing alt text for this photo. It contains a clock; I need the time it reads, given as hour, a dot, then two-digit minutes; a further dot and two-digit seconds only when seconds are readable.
4.01
